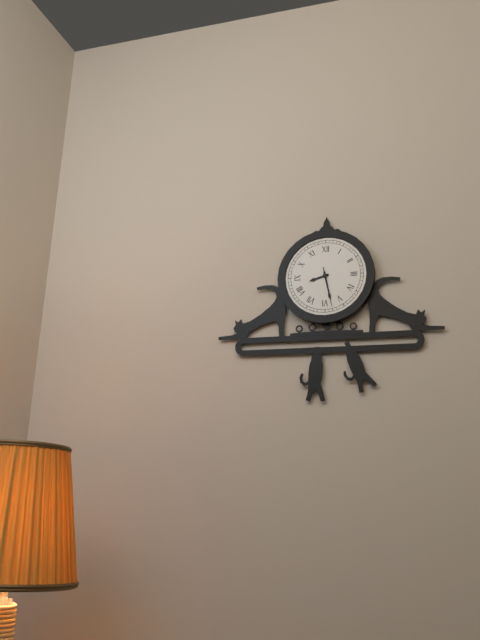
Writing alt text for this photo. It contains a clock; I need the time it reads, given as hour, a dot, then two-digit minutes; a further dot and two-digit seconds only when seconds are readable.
8.28
